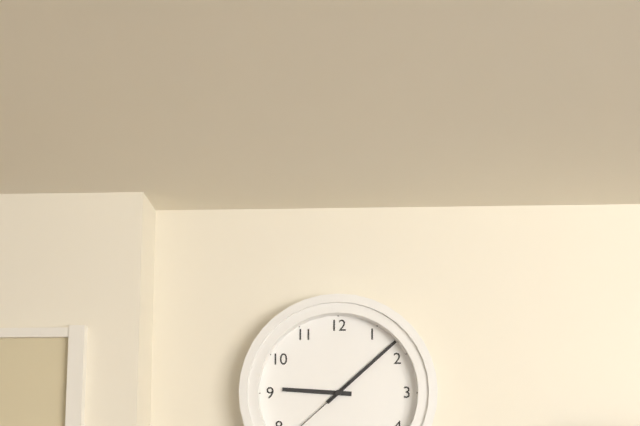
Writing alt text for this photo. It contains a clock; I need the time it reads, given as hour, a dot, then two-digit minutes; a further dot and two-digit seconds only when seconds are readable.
9.08
